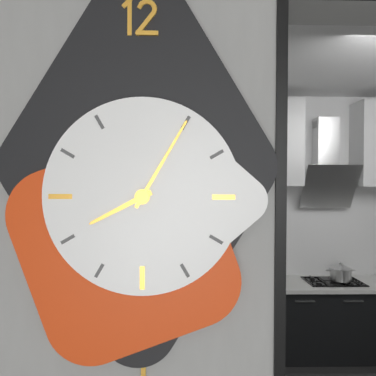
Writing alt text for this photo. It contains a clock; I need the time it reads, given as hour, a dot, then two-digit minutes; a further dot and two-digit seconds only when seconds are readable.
8.05
